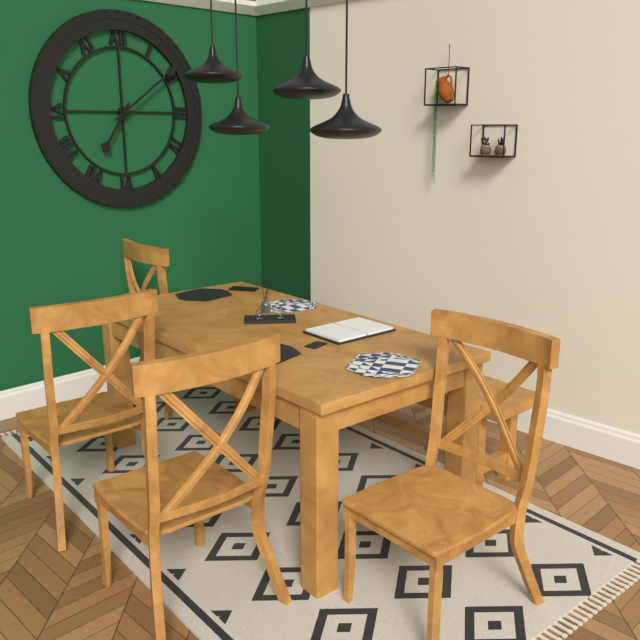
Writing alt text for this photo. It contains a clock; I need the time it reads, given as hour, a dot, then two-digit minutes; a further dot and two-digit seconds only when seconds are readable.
7.09
